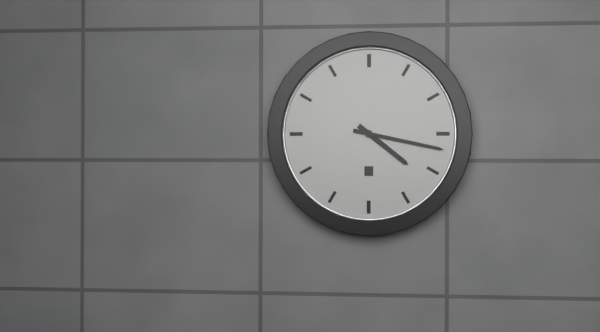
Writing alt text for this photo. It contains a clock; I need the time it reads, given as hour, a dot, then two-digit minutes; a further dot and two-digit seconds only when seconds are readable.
4.17
